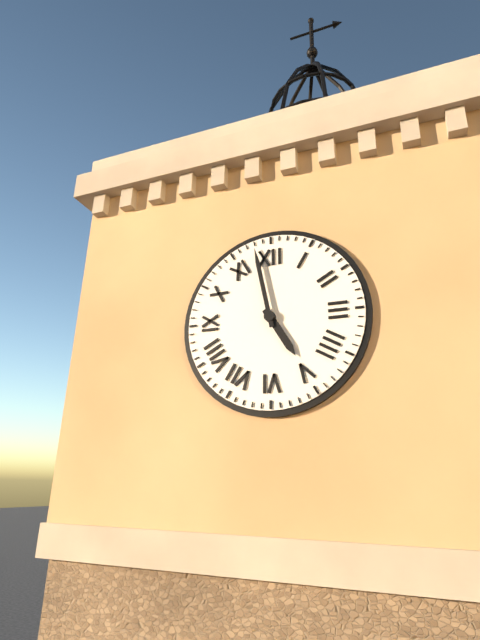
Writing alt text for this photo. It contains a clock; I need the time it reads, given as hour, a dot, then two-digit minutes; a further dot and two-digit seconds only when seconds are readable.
4.58
